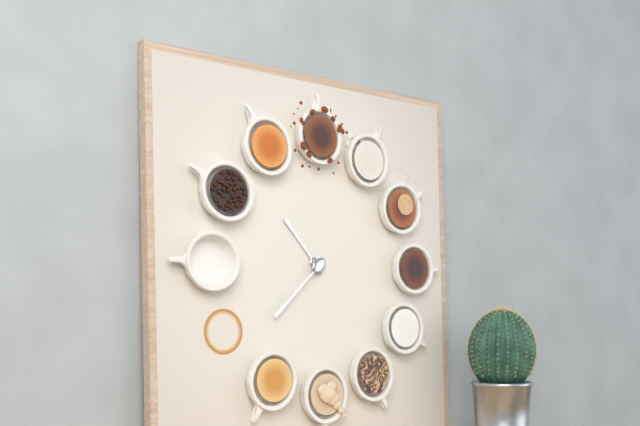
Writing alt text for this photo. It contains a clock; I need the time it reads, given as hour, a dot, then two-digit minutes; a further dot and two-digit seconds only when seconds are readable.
10.38
